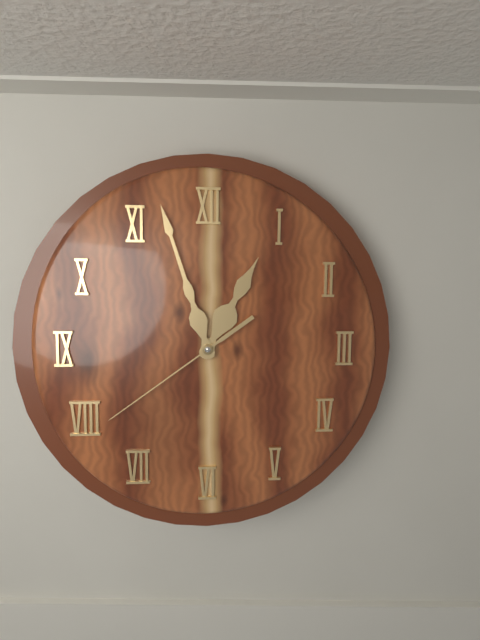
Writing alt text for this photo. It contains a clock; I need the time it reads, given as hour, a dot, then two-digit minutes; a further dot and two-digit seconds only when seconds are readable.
12.57.39
